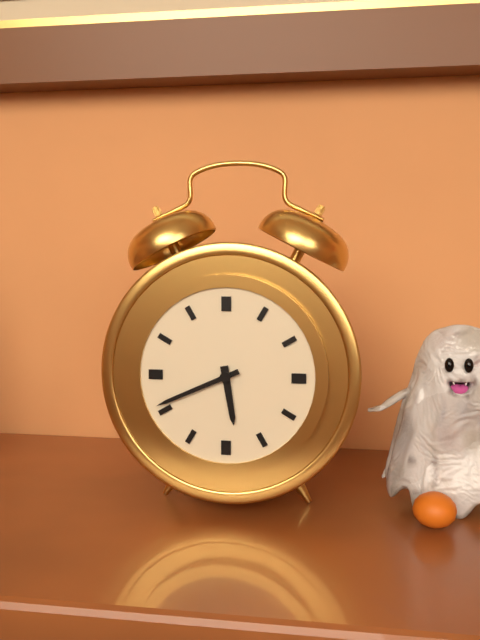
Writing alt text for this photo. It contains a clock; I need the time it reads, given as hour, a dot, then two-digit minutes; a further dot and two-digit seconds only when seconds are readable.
5.41
